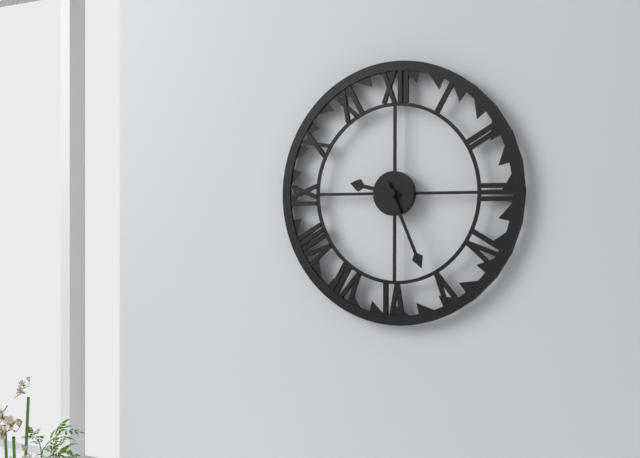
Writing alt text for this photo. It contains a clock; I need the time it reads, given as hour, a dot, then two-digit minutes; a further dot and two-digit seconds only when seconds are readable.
9.26
